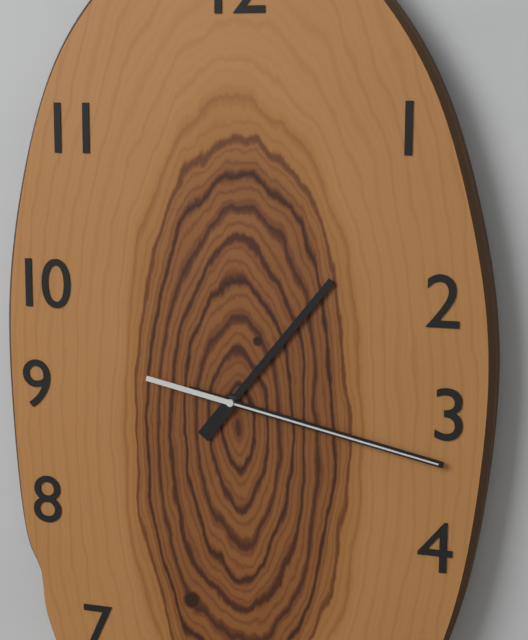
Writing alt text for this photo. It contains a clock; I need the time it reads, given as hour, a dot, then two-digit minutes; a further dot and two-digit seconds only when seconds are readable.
1.17.17
